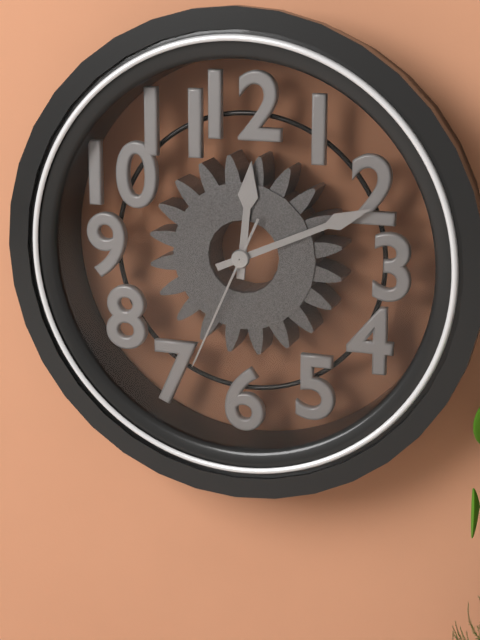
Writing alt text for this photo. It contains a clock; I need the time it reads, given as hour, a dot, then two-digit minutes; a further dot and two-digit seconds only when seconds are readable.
12.11.34
